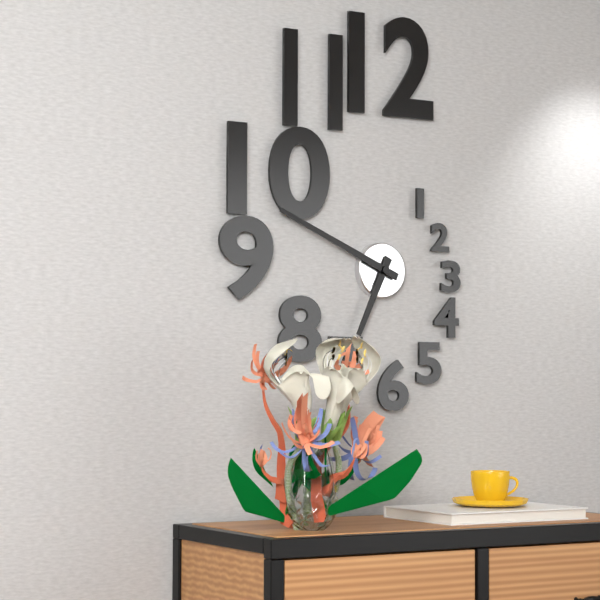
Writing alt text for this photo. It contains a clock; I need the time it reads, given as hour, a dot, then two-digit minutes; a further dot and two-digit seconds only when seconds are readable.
6.49
